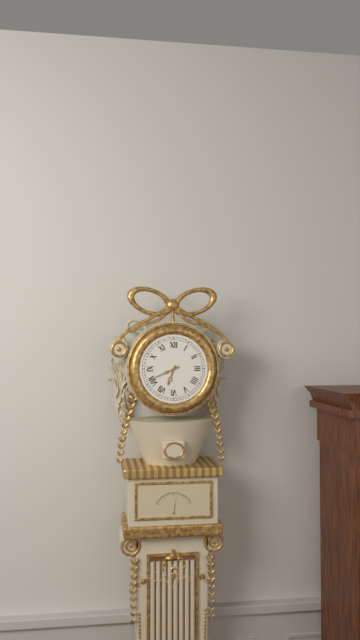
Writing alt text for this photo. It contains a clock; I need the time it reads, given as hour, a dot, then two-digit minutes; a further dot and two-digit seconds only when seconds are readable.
6.41
